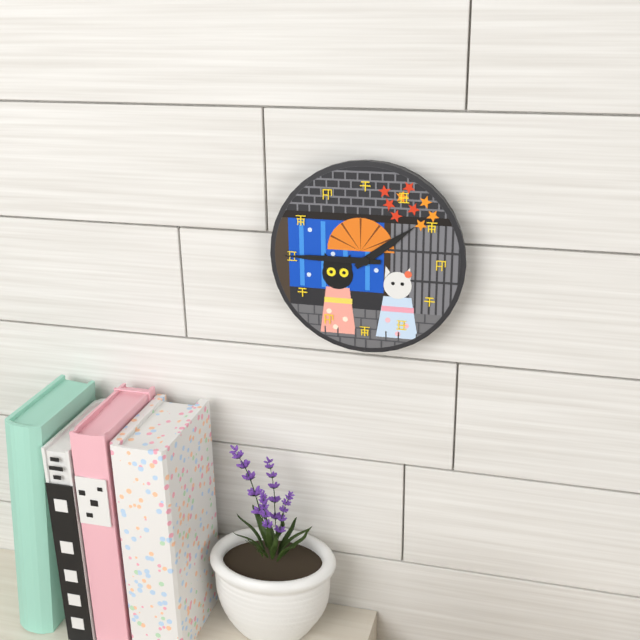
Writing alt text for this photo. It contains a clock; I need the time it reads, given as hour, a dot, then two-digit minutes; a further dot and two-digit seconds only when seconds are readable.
1.45
